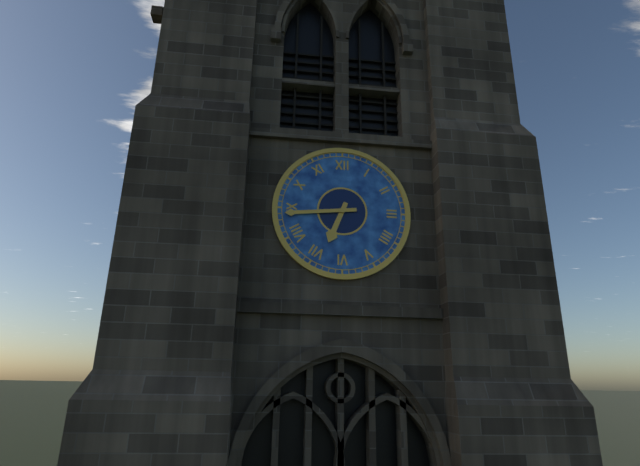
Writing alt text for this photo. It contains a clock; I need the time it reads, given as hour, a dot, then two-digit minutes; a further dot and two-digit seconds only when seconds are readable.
6.44
